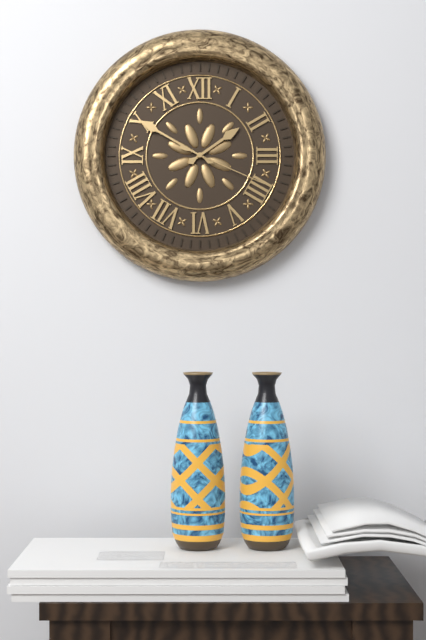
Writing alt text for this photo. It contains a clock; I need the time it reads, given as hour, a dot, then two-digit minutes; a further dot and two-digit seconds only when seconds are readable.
1.50.19
